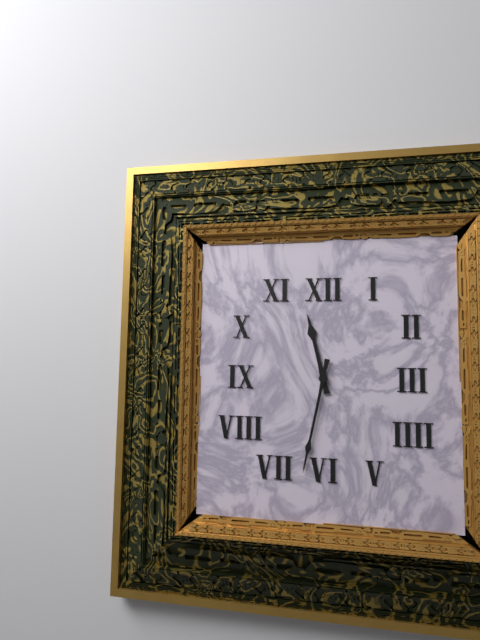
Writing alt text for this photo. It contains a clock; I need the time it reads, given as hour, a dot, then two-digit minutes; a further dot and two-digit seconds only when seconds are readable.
11.32
